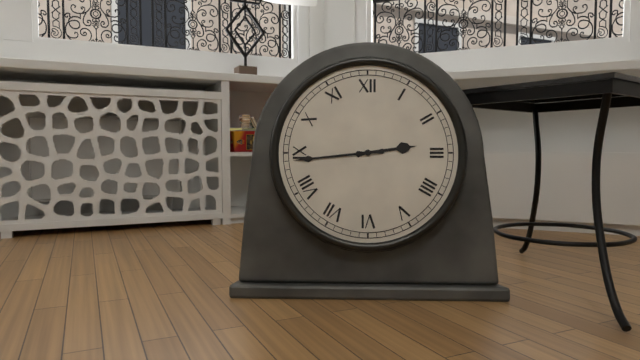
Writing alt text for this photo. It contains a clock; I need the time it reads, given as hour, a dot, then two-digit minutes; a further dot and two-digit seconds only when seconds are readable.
2.44
